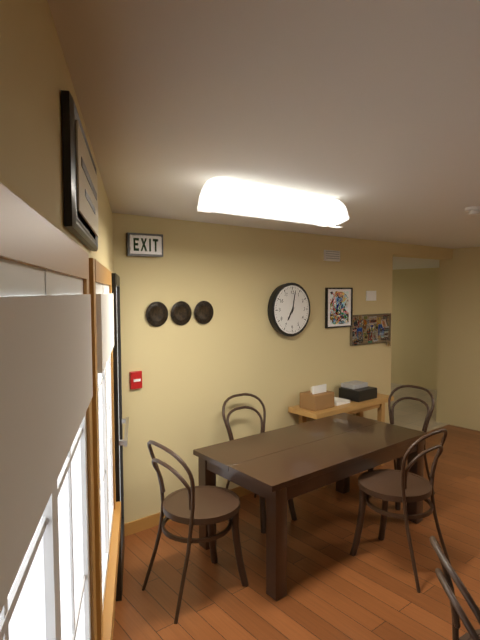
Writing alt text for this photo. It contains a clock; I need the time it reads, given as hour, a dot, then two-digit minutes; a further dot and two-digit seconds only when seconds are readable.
7.02
